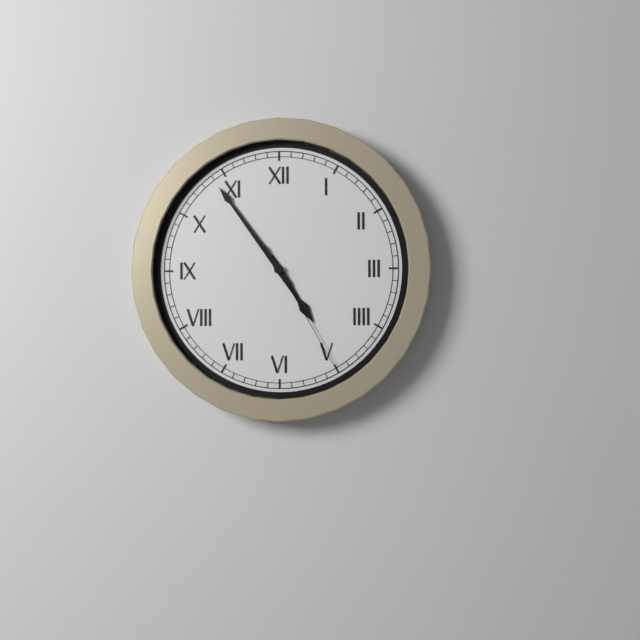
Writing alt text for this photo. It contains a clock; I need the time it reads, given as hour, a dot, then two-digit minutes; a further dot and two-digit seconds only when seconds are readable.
4.54.25
